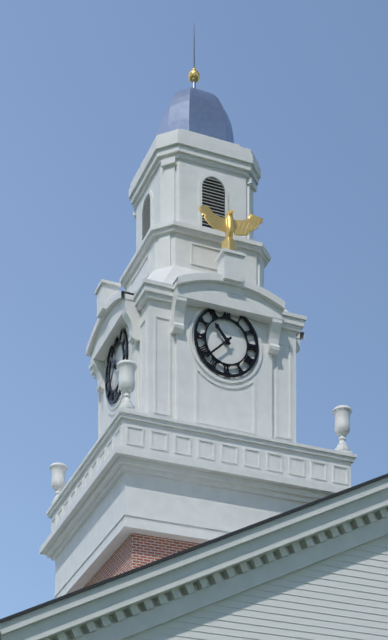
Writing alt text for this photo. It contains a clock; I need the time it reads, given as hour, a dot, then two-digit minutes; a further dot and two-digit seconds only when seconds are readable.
10.38
